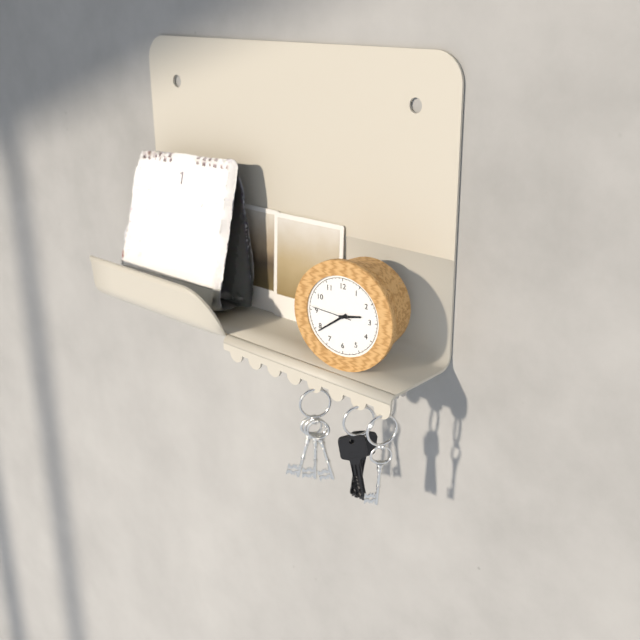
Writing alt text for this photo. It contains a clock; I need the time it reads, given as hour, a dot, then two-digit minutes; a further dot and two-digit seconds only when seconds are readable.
2.39
